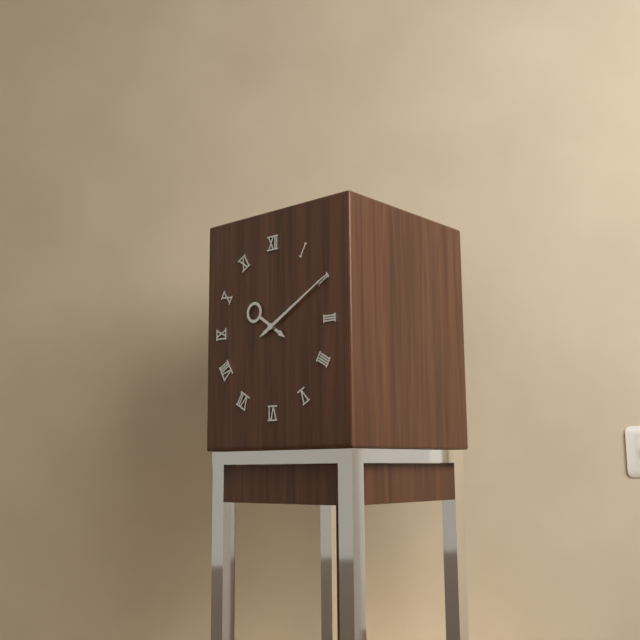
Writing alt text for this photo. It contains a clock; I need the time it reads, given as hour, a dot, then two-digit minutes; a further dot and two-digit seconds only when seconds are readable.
10.10
